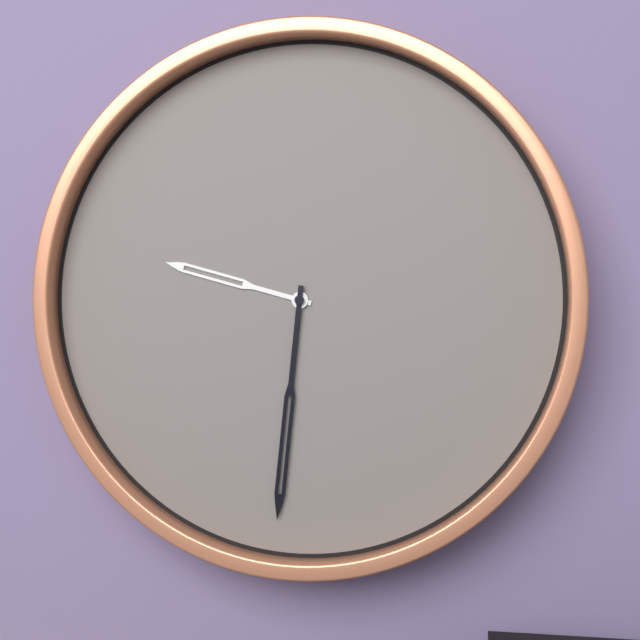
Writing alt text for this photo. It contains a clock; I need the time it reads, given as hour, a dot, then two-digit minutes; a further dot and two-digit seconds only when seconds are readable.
9.31
